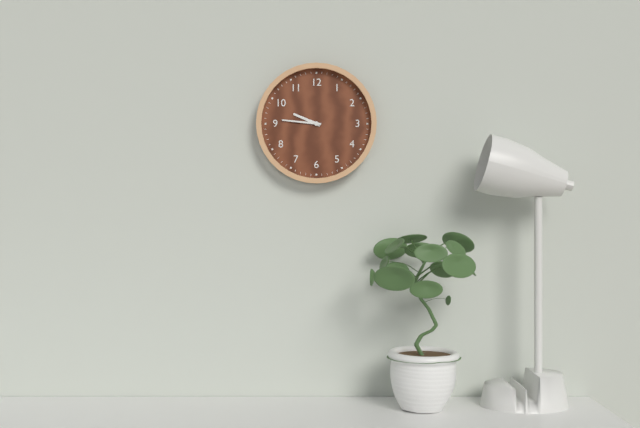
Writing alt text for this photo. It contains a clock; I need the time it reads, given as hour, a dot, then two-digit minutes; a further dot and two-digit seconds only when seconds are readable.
9.46
